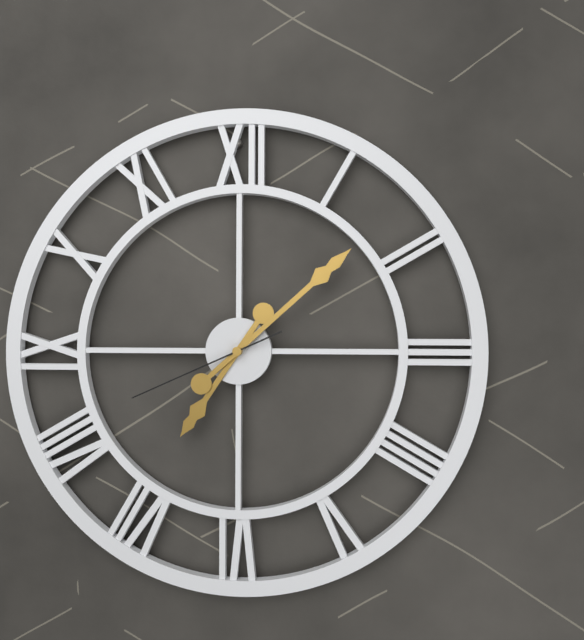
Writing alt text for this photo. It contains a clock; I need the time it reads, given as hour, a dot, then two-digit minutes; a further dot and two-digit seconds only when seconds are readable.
7.08.41
